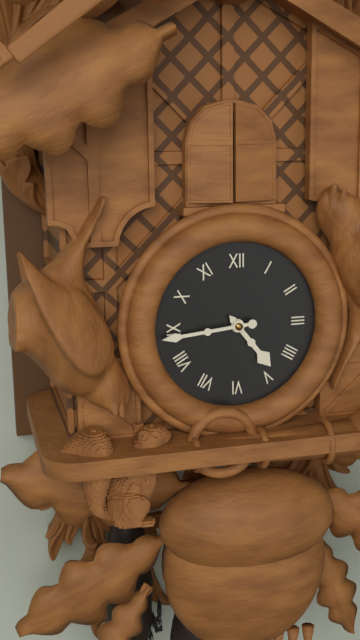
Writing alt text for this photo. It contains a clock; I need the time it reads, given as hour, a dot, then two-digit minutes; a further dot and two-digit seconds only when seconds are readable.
4.44
